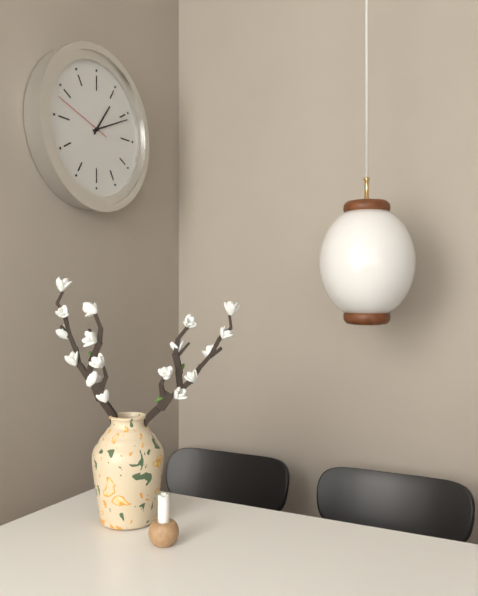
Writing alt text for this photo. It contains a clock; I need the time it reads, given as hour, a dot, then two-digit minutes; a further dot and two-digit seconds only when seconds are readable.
1.11.48
